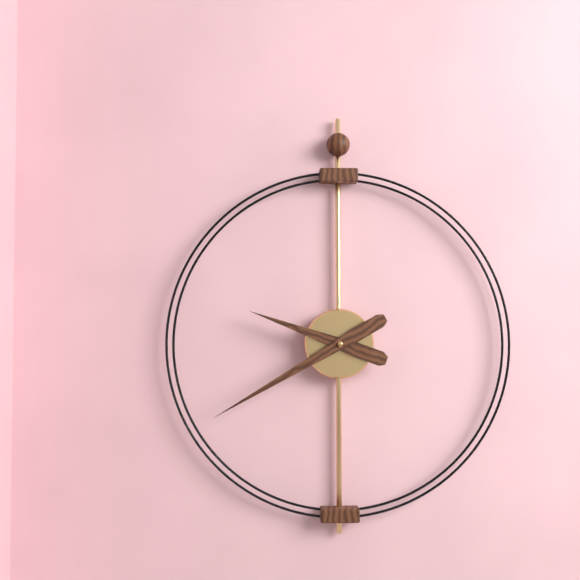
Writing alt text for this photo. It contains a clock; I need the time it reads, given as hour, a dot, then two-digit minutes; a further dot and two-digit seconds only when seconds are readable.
9.40
